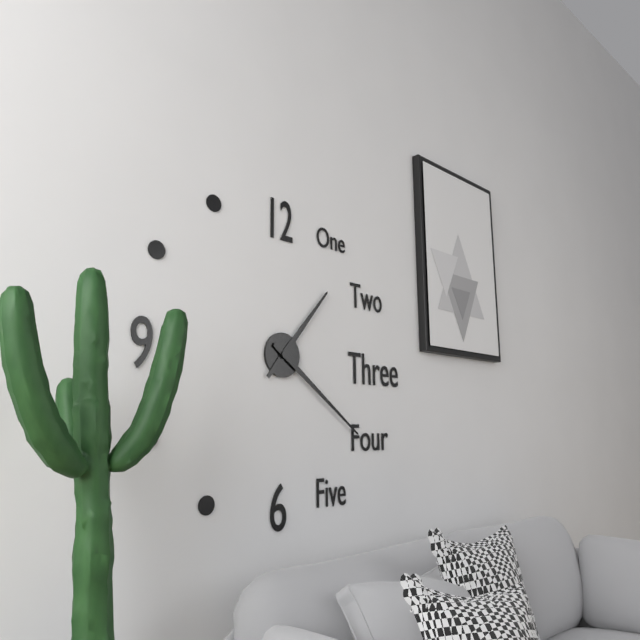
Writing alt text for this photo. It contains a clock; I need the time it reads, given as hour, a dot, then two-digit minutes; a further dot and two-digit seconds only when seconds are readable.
1.21
